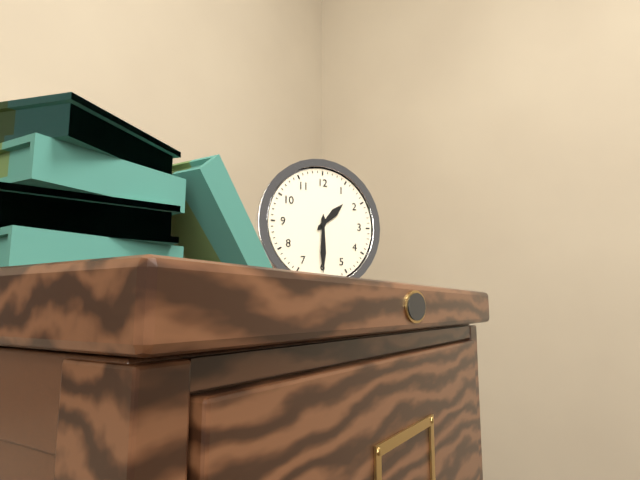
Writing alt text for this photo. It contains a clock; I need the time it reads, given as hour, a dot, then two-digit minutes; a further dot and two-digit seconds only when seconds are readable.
1.30
